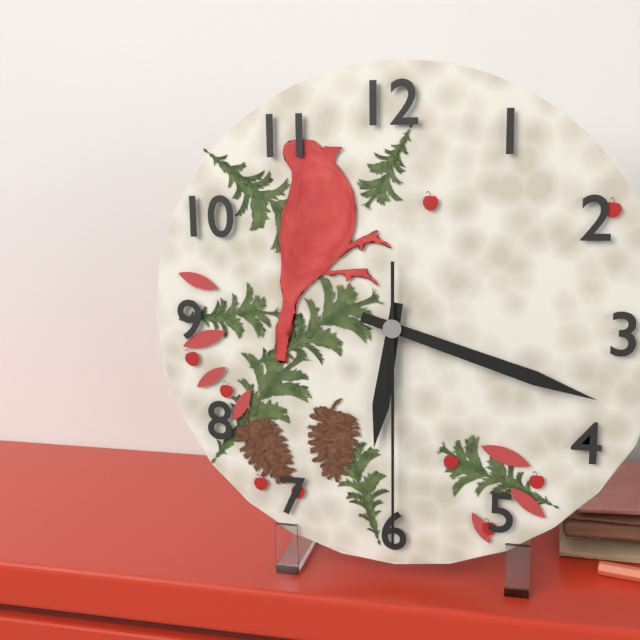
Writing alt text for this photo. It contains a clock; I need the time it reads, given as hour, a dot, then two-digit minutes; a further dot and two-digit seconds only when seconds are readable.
6.18.30
